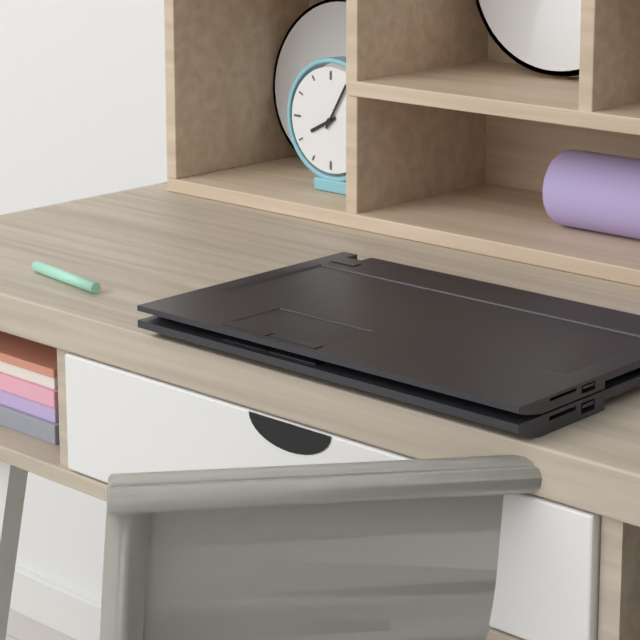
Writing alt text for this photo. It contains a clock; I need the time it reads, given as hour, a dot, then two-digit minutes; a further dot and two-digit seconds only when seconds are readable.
8.05
